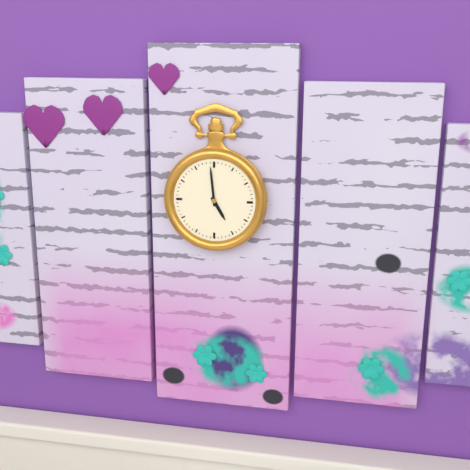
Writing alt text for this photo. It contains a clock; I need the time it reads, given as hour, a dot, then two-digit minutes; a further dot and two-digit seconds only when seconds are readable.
4.59
